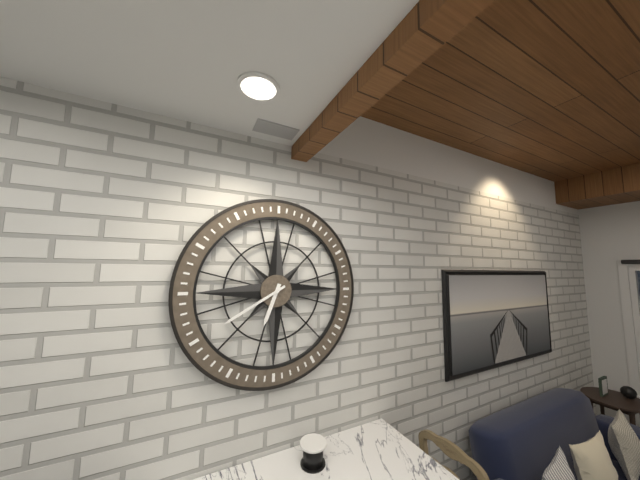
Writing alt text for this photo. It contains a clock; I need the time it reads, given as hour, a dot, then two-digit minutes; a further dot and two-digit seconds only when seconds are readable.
6.40
